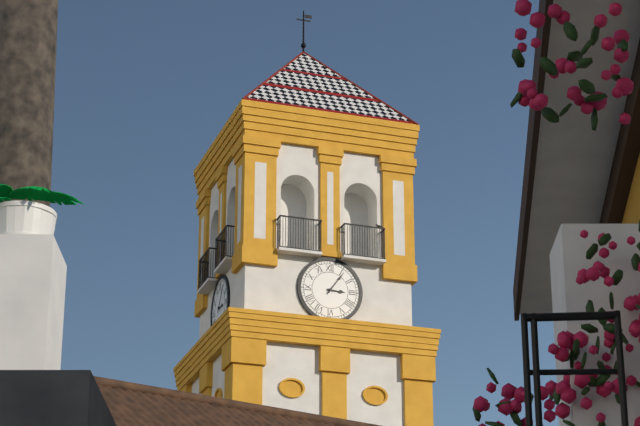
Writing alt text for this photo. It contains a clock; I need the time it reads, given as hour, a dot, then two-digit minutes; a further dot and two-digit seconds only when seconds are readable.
3.06
